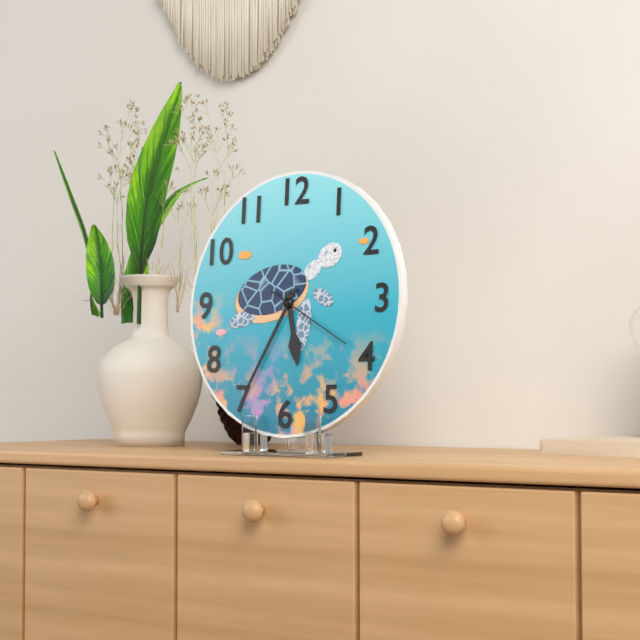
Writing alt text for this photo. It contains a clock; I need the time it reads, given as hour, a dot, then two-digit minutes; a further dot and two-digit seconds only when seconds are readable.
5.35.20
